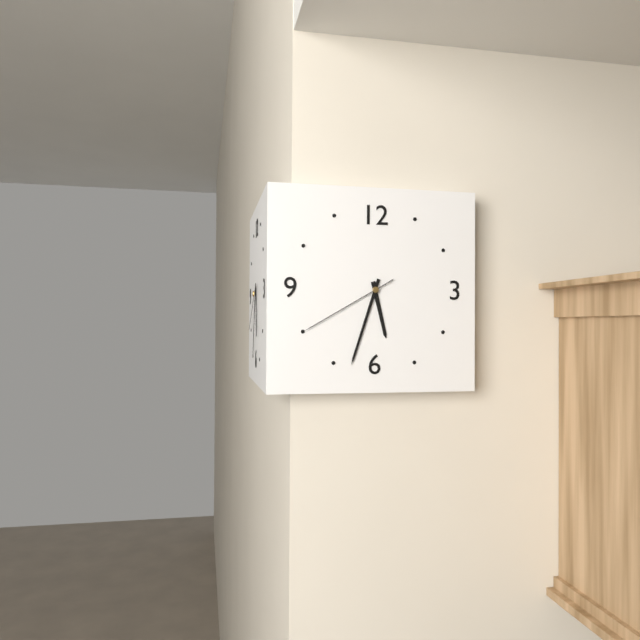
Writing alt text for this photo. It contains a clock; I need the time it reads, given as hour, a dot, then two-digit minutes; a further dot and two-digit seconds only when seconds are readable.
5.33.40
